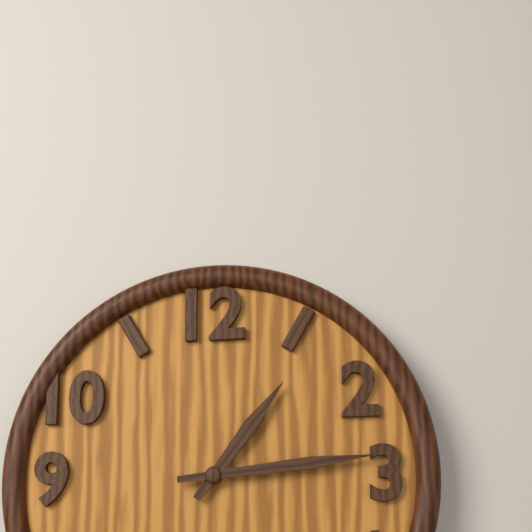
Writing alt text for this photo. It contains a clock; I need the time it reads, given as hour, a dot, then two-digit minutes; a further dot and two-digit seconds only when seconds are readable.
1.14
